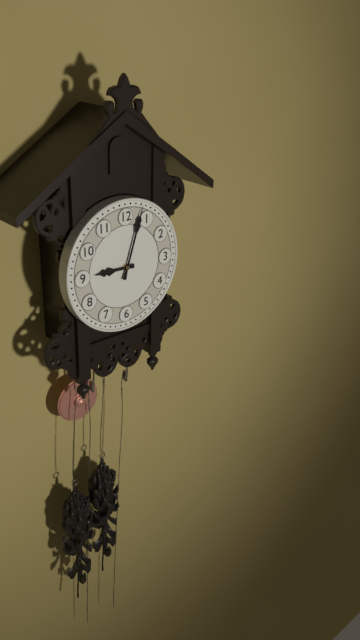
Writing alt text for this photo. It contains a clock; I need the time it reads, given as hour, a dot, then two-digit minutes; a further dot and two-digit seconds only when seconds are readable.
9.03
